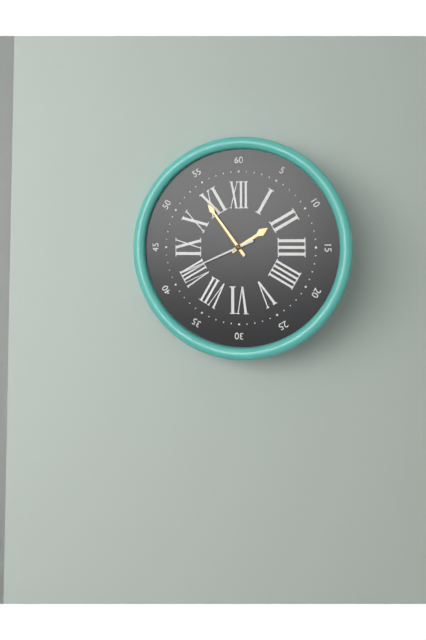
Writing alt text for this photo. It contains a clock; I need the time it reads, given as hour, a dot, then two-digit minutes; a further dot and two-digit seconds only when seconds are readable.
1.54.41
